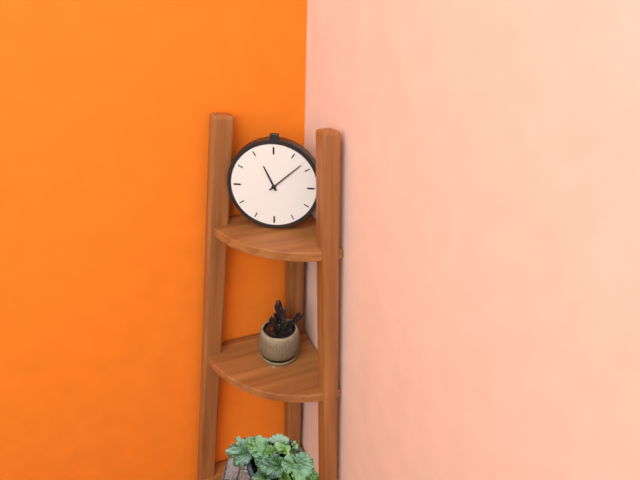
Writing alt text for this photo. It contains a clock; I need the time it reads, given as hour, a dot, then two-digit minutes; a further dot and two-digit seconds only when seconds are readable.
11.08
